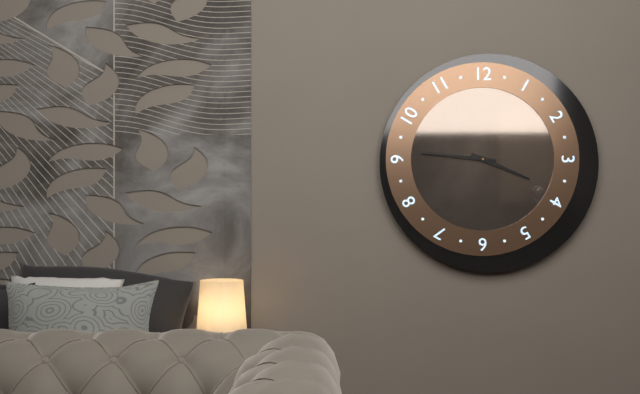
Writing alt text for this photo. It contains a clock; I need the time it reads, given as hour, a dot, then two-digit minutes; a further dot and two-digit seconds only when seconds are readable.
3.46
